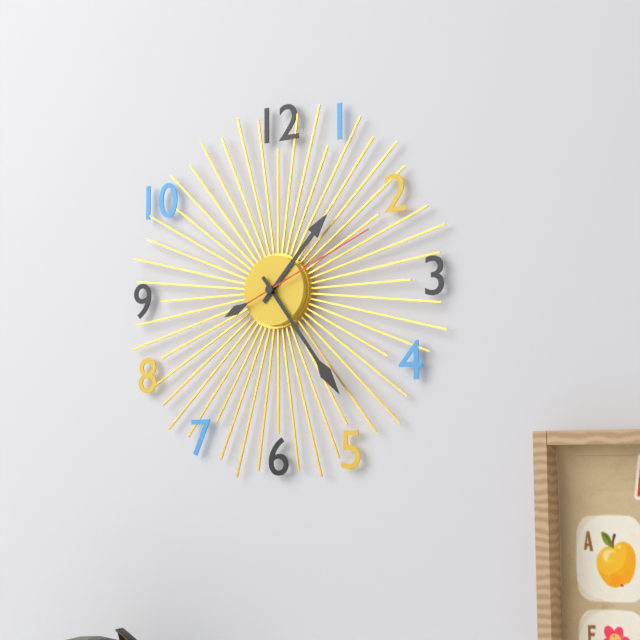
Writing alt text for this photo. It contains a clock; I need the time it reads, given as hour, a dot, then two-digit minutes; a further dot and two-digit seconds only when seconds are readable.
1.24.11
